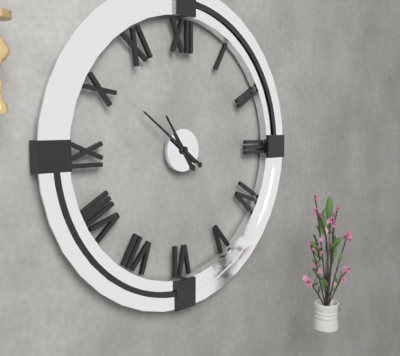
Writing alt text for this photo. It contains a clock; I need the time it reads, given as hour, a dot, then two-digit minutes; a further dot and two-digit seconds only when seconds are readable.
10.51
